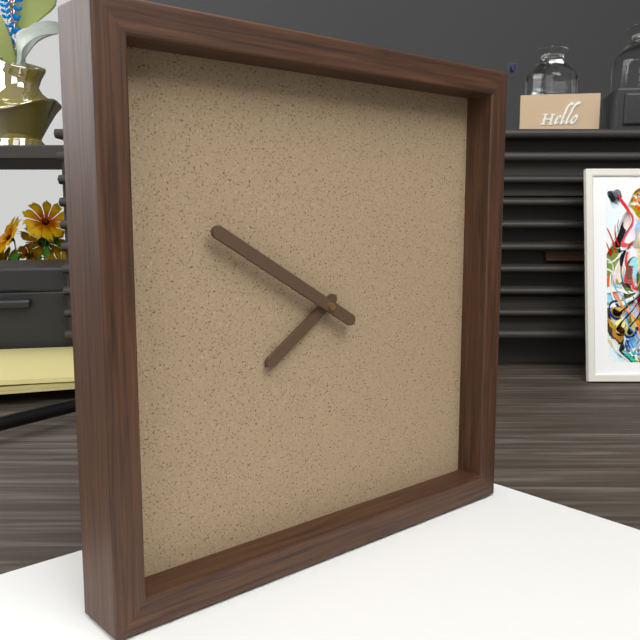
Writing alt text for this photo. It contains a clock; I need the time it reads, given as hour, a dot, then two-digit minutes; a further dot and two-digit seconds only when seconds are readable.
7.50
